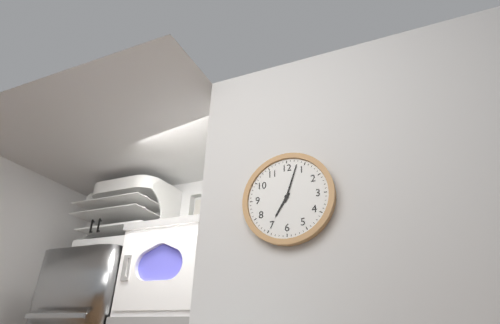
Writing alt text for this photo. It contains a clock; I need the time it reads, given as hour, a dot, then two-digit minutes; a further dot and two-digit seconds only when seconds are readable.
7.03
